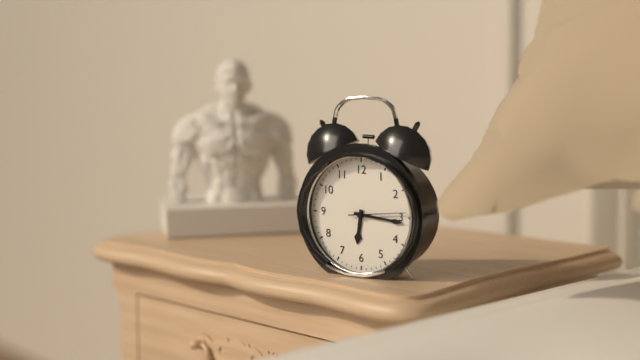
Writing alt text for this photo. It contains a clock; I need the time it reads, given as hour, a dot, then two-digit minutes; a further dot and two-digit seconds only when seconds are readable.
6.16.14
